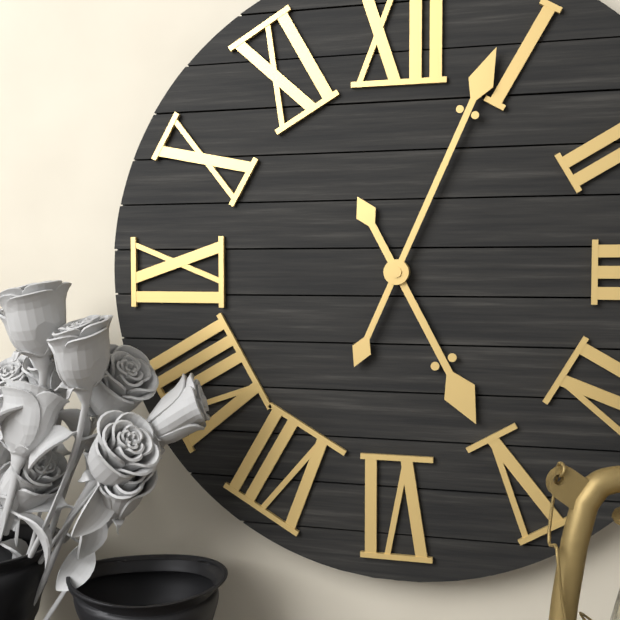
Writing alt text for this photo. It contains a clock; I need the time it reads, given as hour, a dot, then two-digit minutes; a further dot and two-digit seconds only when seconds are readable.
5.04
